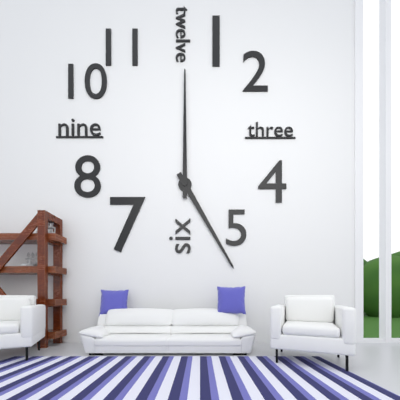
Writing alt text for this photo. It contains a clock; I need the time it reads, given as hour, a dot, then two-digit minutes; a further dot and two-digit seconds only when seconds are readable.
5.00
